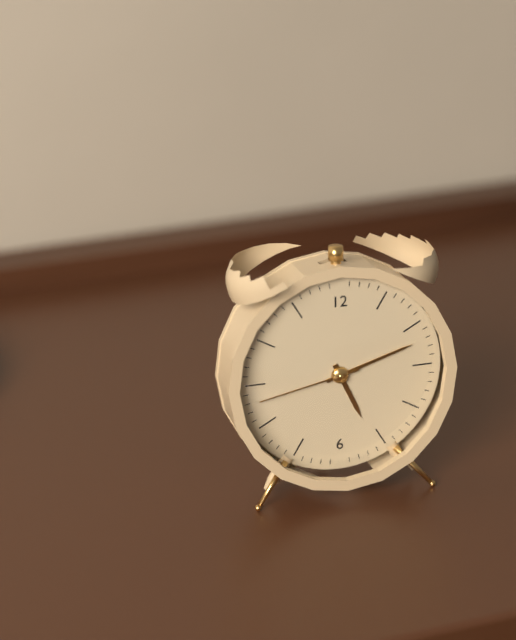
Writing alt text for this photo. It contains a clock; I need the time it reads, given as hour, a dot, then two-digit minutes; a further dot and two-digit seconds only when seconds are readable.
5.12.43
